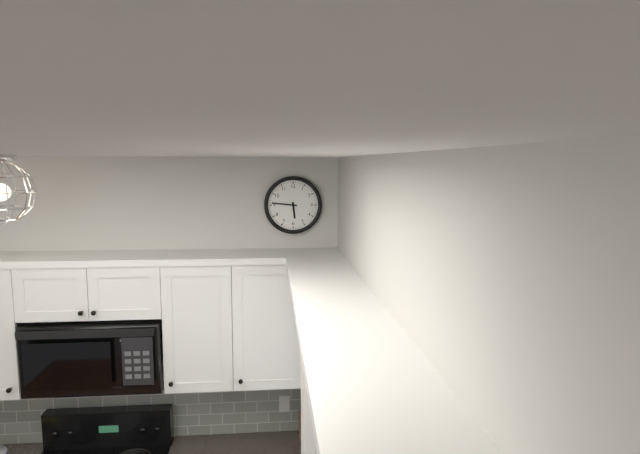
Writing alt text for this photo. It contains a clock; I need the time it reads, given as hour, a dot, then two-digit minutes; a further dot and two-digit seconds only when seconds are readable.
5.46
